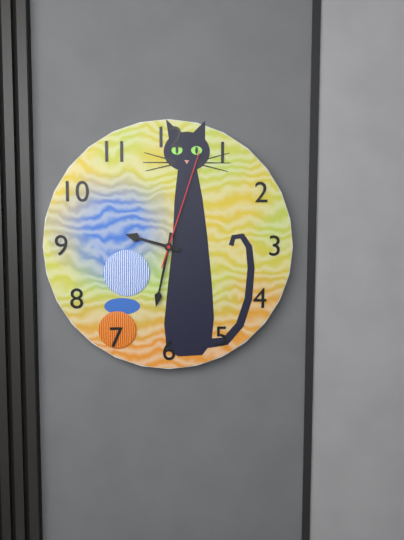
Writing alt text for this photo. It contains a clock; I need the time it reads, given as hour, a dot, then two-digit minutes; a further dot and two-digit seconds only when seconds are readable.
9.32.03
